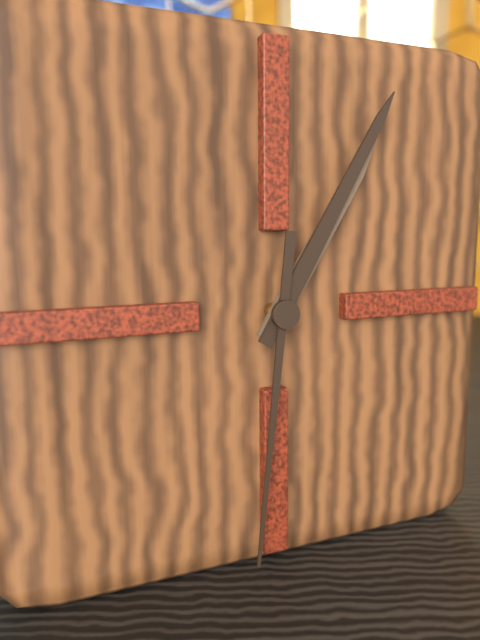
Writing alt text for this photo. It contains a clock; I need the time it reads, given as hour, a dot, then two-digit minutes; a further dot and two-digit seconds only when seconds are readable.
1.05.31
